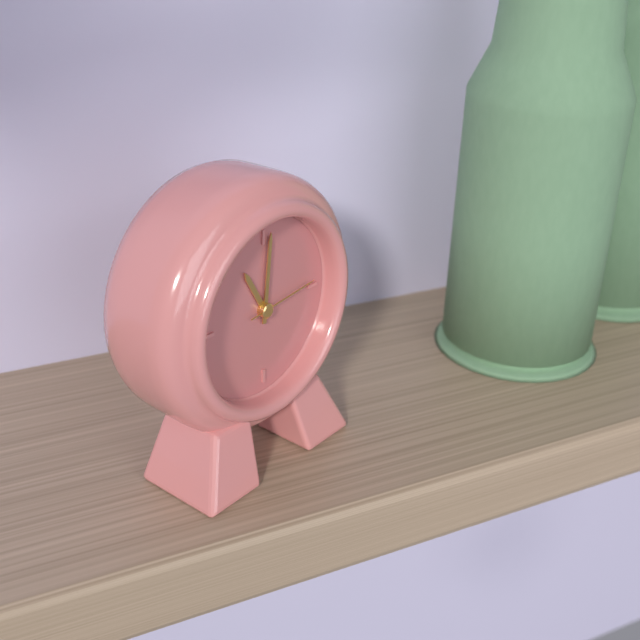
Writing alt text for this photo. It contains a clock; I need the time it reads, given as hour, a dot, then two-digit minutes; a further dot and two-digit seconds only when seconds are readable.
11.01.14
